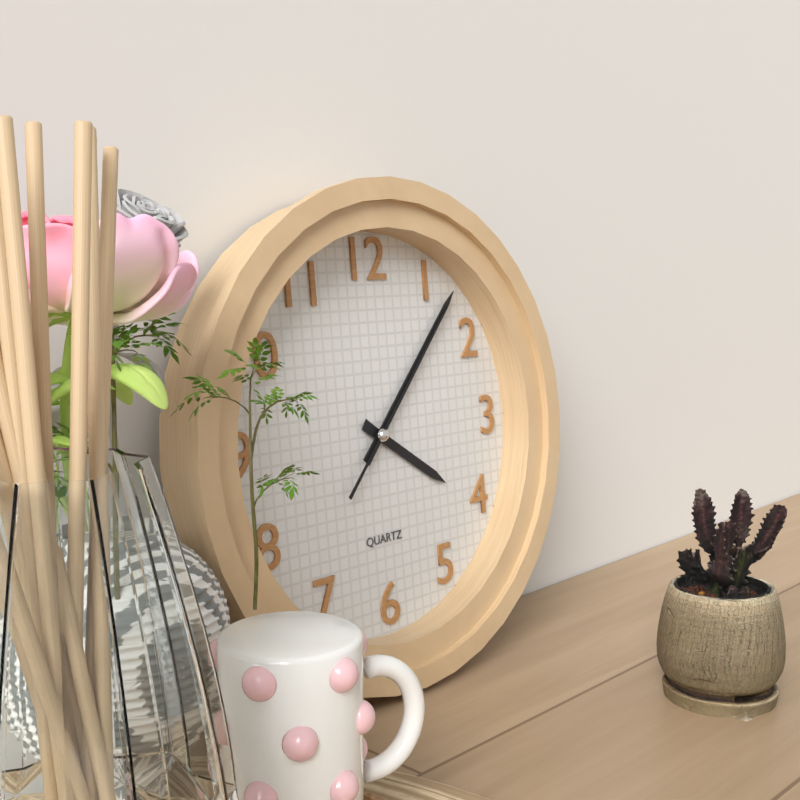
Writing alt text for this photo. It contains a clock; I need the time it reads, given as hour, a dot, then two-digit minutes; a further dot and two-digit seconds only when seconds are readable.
4.07.07
